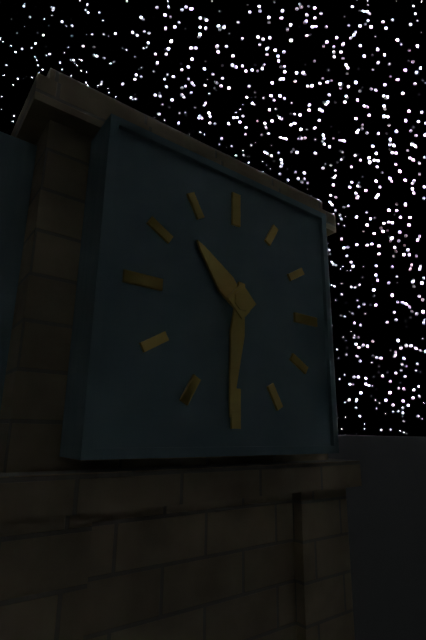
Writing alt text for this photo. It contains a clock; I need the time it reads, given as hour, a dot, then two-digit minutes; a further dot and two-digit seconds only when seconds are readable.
10.31
